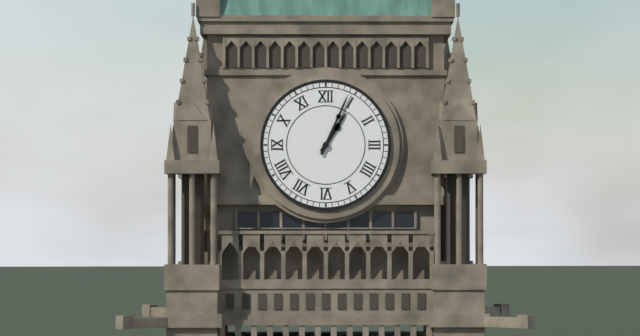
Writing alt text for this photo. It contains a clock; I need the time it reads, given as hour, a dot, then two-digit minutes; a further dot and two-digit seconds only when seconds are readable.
1.04
